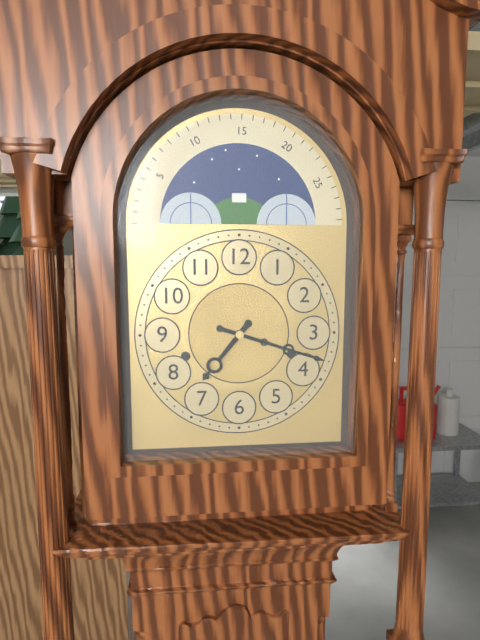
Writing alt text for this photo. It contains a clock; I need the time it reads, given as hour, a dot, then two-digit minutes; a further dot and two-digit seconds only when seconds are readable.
7.18
